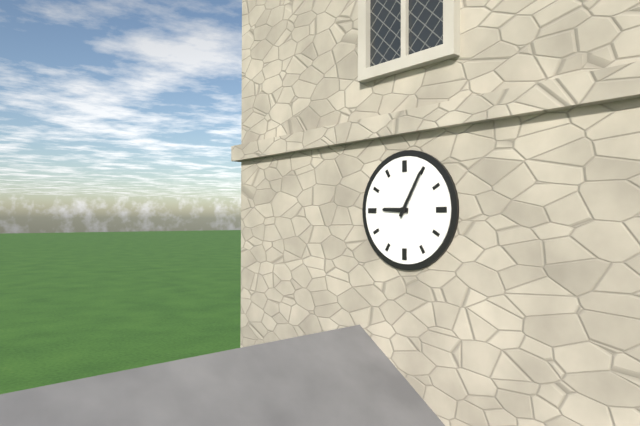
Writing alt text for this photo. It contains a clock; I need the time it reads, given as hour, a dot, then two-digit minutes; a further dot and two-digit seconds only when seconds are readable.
9.05
